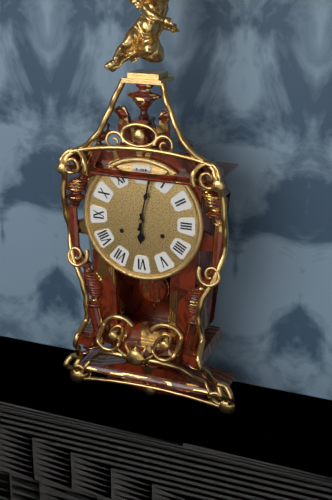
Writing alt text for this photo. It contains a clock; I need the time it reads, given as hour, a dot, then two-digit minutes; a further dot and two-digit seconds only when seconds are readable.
6.02
